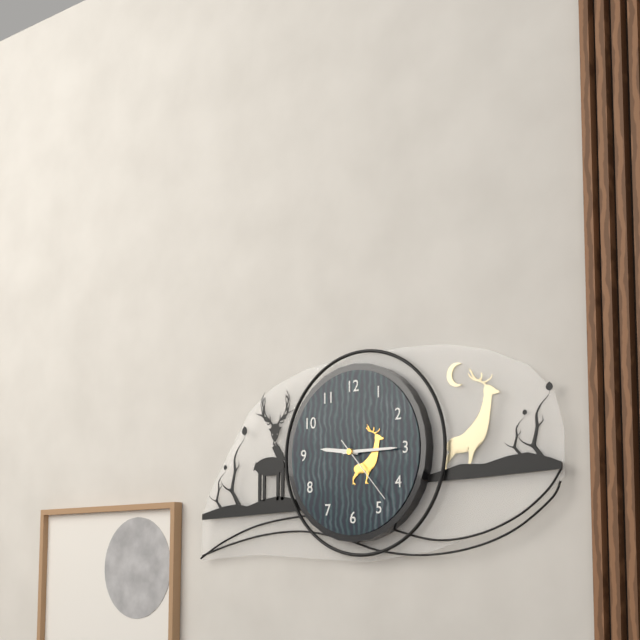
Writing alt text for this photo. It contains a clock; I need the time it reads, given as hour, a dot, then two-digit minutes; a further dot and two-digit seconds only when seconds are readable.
9.15.23
